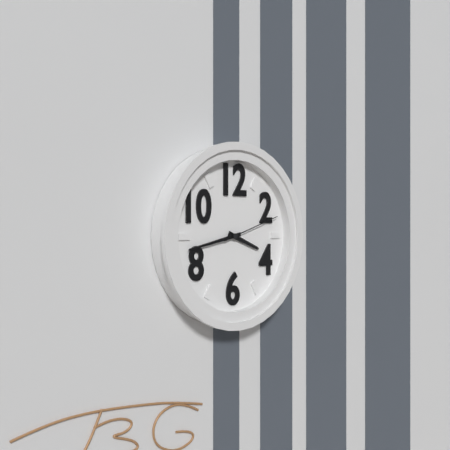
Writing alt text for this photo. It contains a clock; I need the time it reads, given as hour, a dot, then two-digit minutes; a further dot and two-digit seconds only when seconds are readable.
3.43.12
